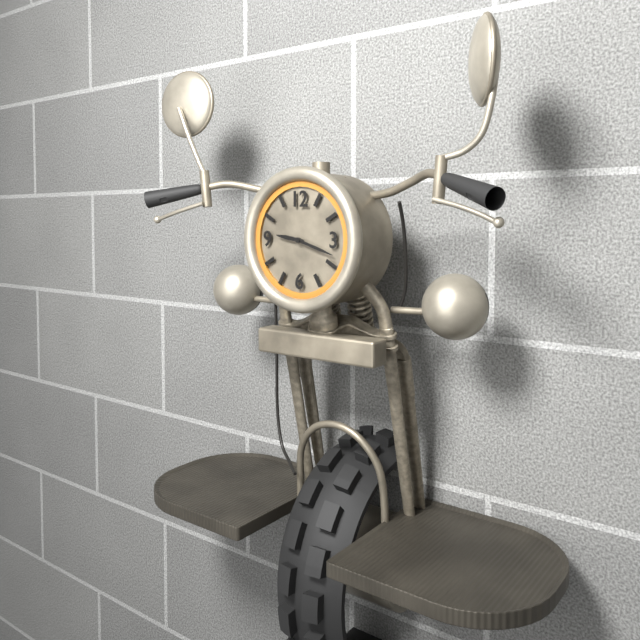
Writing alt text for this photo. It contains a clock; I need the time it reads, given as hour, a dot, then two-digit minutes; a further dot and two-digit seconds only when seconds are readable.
9.18
